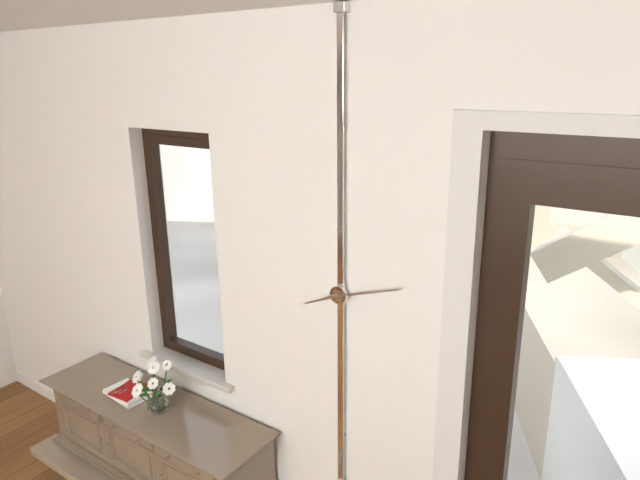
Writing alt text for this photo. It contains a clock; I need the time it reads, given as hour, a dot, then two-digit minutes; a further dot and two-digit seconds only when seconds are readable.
8.12
